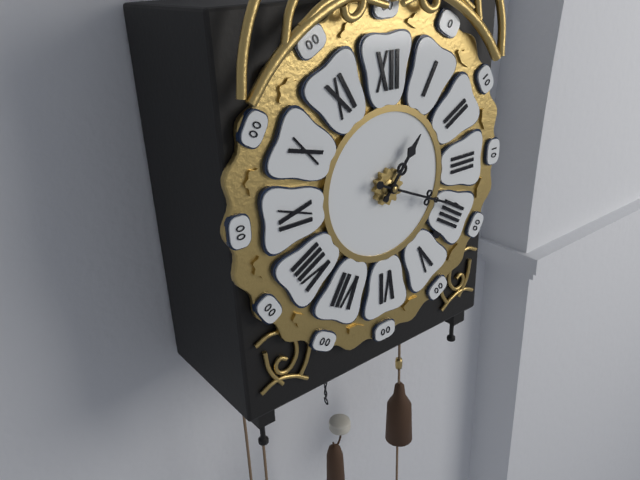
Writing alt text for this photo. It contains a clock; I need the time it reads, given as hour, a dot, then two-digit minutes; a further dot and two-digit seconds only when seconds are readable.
1.19
